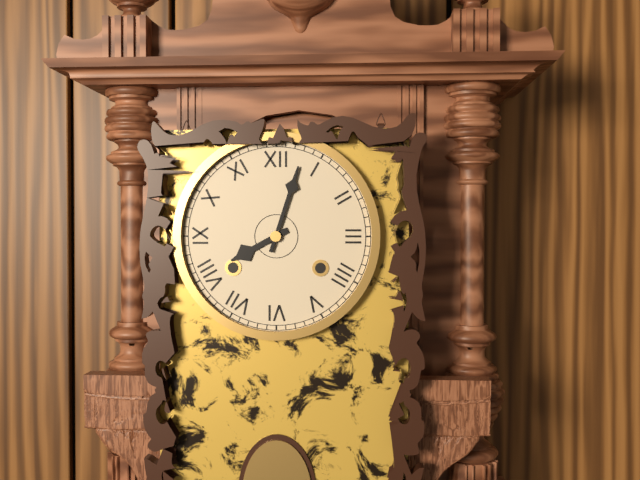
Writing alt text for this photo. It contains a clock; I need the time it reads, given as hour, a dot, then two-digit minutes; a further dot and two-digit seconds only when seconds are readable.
8.03
